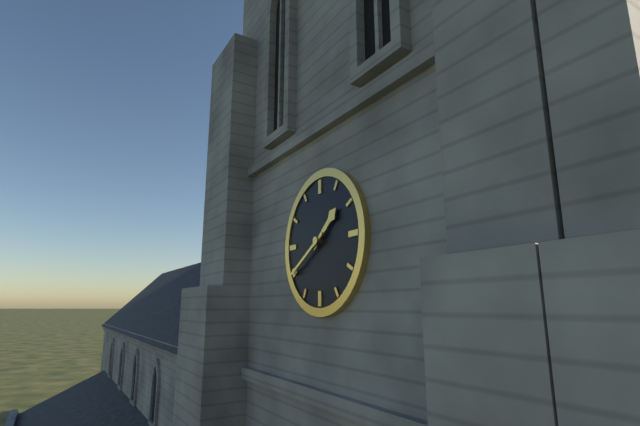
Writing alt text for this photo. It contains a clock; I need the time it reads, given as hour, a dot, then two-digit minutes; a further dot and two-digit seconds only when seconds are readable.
1.40
